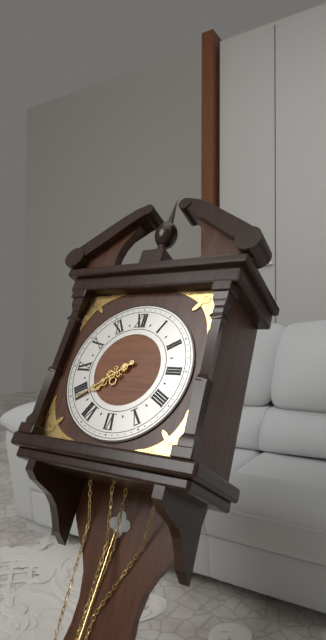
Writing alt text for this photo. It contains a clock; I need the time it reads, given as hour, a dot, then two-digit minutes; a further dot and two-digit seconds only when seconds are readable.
7.39
